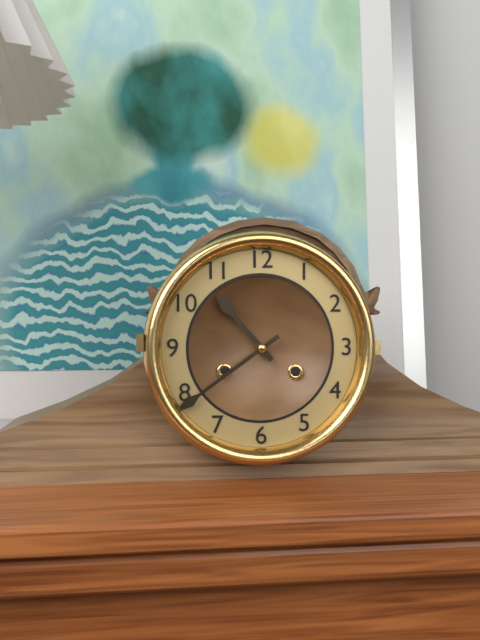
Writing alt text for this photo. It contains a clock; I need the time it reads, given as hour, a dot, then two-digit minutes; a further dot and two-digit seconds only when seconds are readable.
10.39
